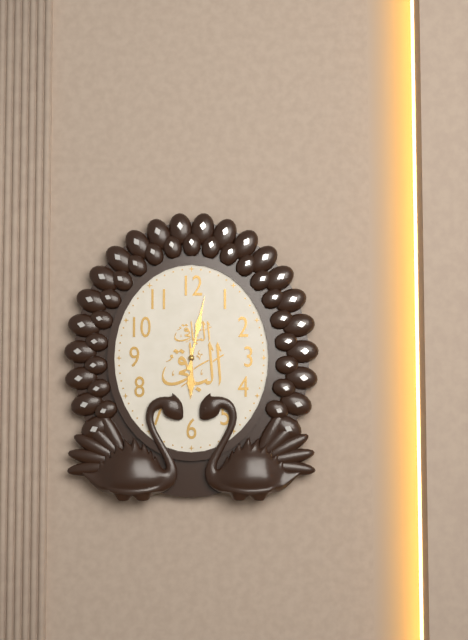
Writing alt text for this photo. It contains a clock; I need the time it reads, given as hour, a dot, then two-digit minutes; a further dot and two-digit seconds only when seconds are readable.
6.02
